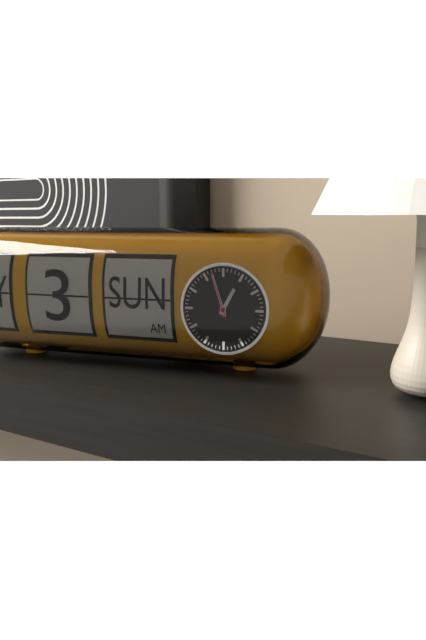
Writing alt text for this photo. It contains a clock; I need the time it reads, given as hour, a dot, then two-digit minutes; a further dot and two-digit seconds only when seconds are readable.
12.57
